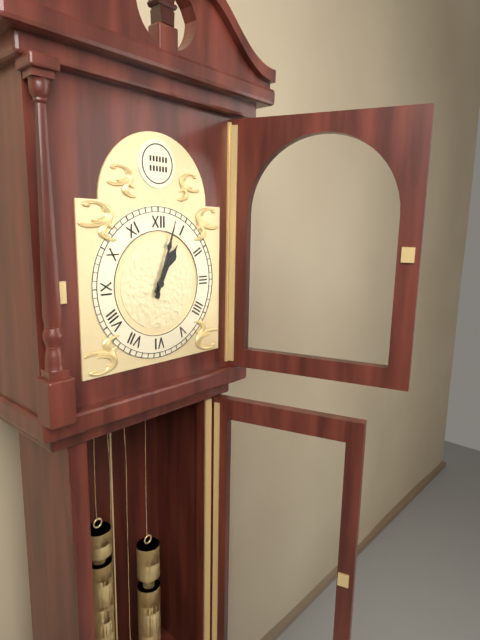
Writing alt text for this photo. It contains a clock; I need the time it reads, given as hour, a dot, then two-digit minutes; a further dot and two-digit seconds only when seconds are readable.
1.03
